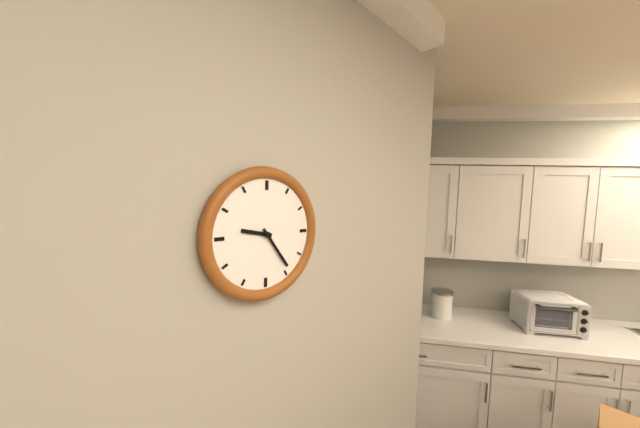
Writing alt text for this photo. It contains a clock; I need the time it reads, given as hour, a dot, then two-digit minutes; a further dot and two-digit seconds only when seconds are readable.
9.24
